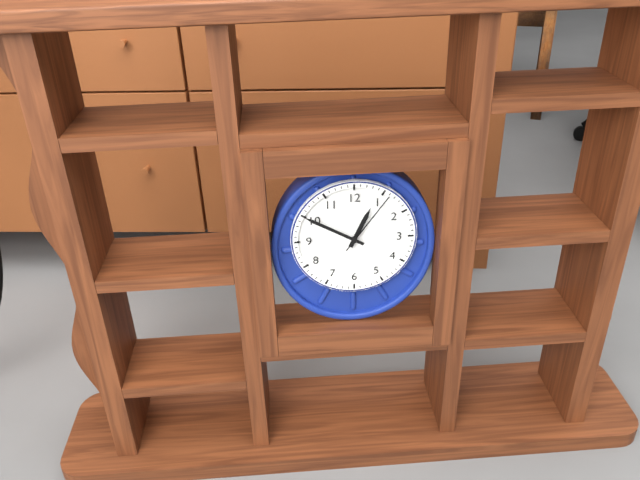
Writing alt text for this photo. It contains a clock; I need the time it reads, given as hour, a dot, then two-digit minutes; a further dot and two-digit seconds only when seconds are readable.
12.50.06
